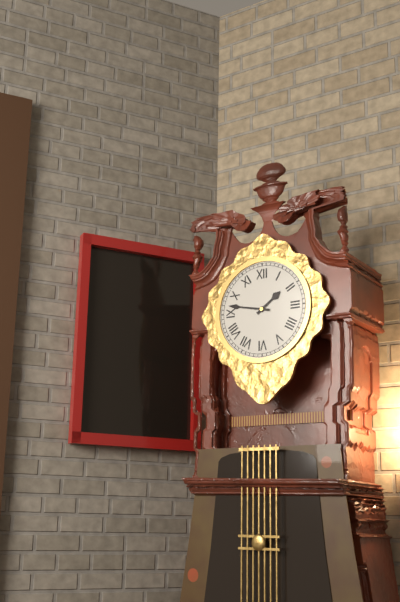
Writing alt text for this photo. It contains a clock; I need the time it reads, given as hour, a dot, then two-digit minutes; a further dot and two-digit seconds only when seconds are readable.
1.47
